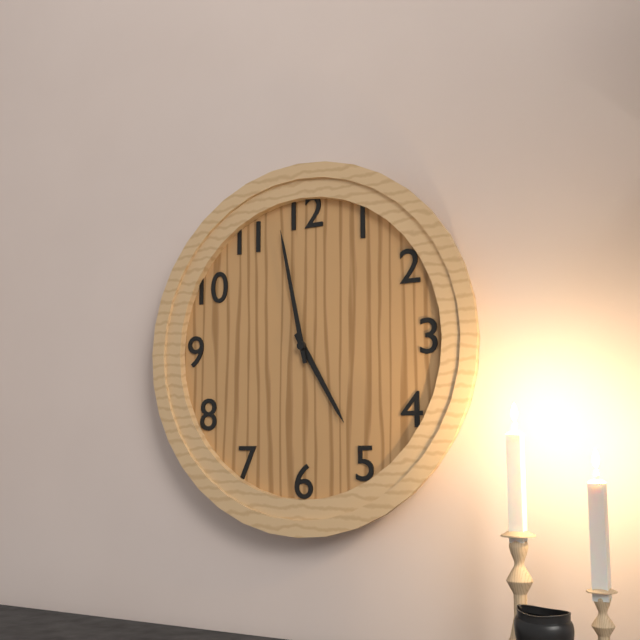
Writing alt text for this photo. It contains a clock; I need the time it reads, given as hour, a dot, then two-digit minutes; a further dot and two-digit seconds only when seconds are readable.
4.58
